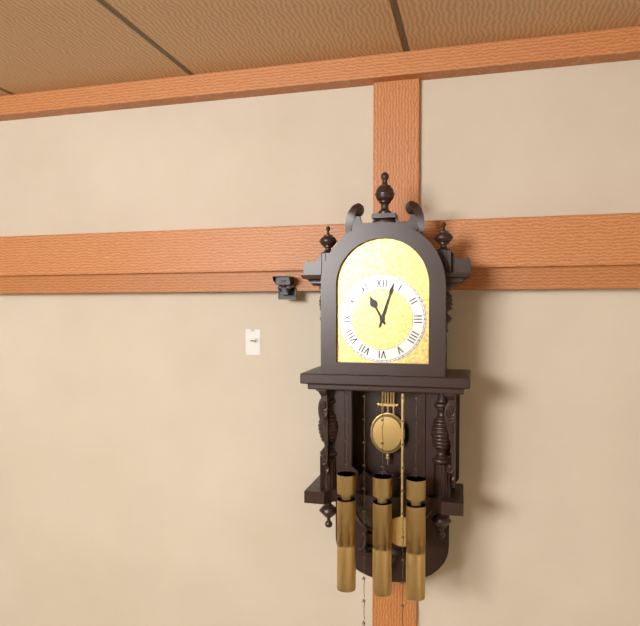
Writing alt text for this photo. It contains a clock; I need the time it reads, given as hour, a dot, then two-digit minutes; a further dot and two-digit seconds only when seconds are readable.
11.03
